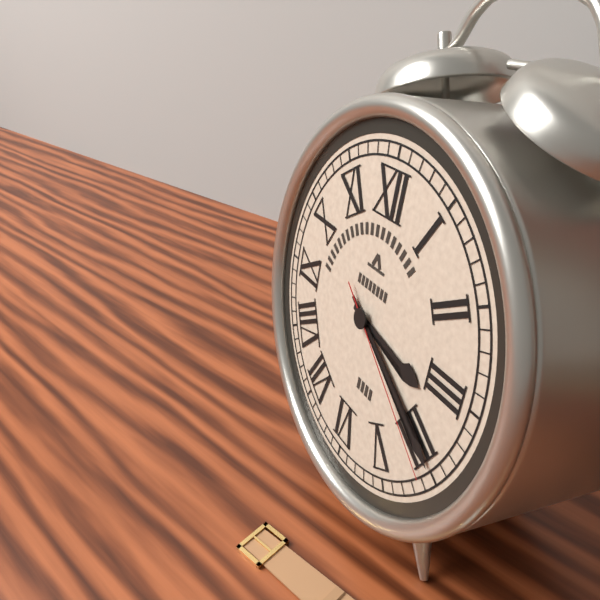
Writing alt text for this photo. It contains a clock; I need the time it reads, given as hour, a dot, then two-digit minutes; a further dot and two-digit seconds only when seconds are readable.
3.20.21
